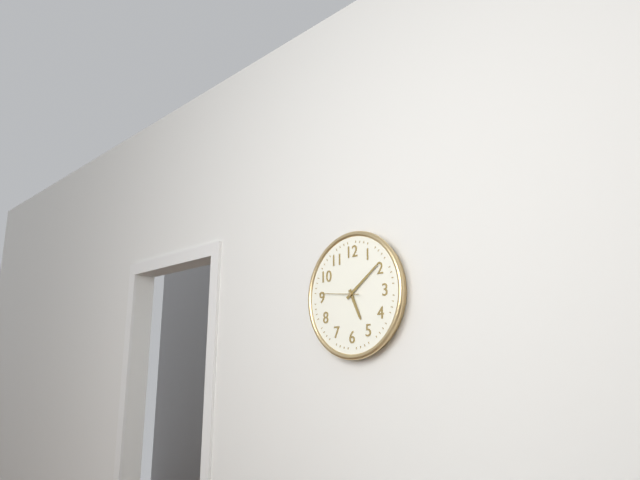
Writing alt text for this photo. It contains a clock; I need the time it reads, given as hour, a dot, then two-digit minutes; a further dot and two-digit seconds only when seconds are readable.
5.09
